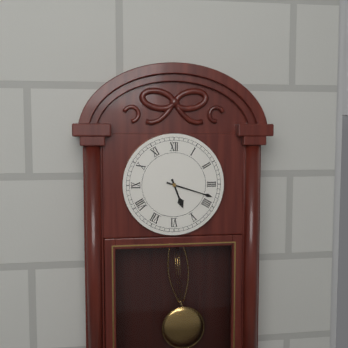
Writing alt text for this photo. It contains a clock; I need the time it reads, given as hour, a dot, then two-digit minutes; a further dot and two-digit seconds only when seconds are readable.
5.18
